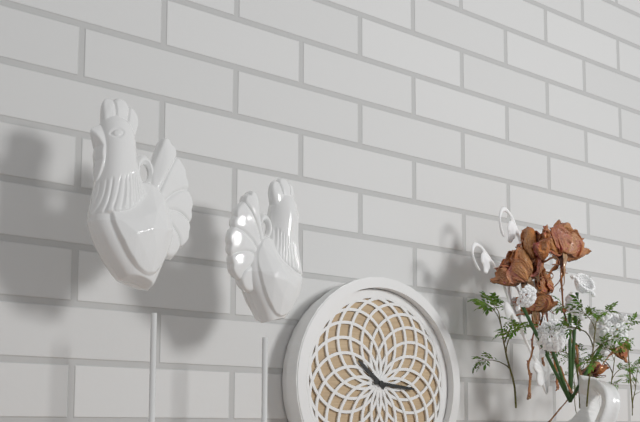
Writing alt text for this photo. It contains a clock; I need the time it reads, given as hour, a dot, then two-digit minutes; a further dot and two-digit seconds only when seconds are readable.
10.16
